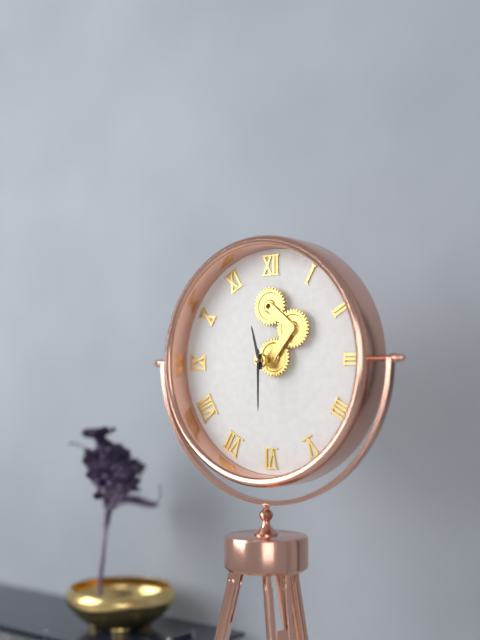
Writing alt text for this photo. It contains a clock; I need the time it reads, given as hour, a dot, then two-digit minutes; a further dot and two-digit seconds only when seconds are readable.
11.30
